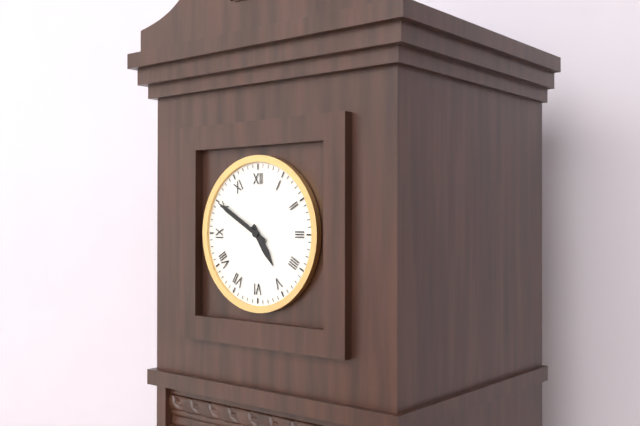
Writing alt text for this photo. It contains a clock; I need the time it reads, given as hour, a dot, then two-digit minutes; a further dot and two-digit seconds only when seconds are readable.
4.50
